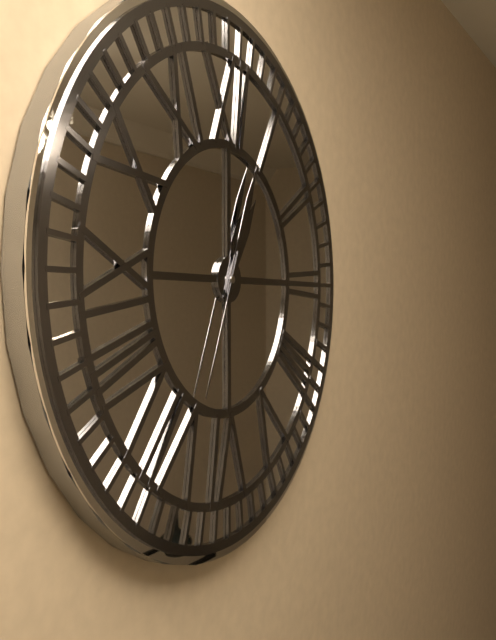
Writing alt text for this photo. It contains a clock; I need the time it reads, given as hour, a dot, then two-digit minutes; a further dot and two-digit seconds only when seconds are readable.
1.04.34
